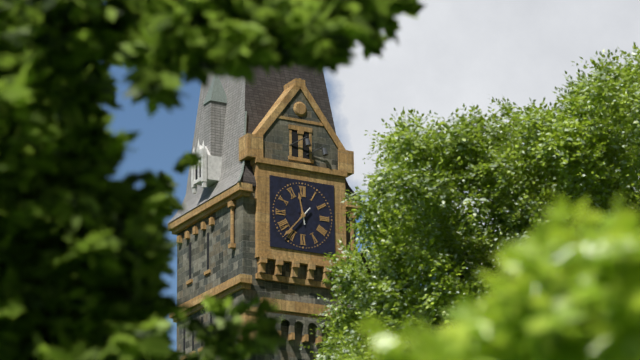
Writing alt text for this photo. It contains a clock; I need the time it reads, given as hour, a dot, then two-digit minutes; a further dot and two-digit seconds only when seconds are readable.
11.37
